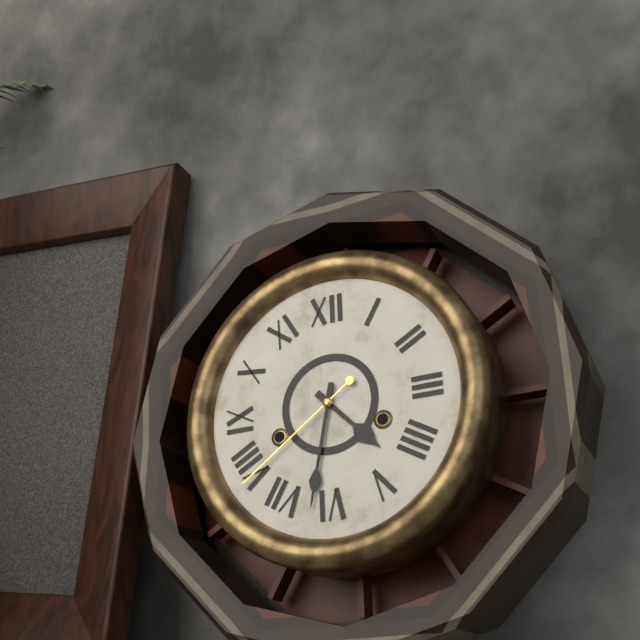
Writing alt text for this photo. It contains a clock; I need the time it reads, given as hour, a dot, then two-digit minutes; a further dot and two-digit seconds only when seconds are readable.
4.32.39
